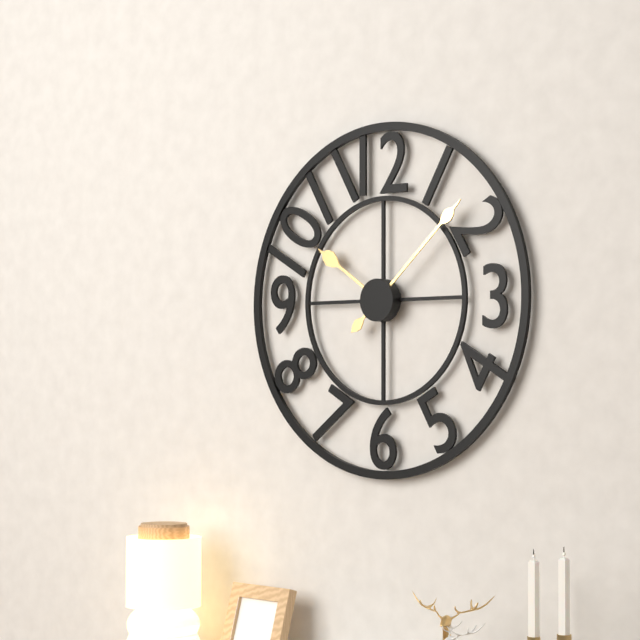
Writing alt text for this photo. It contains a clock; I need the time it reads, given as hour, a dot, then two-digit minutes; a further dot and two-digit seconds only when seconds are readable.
10.08
